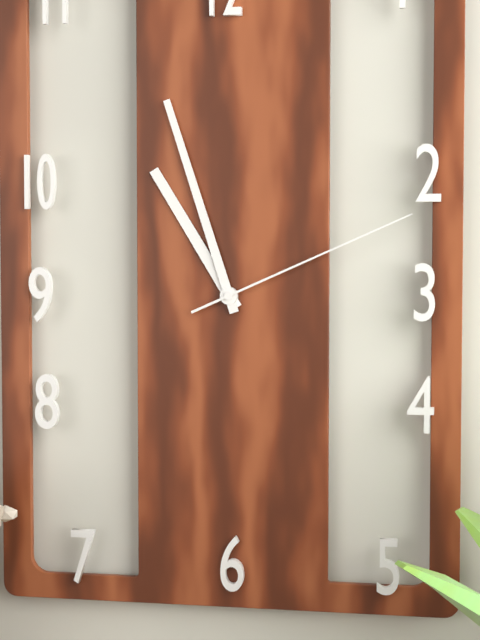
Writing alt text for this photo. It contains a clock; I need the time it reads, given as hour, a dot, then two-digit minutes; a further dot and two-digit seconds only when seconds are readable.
10.57.11
